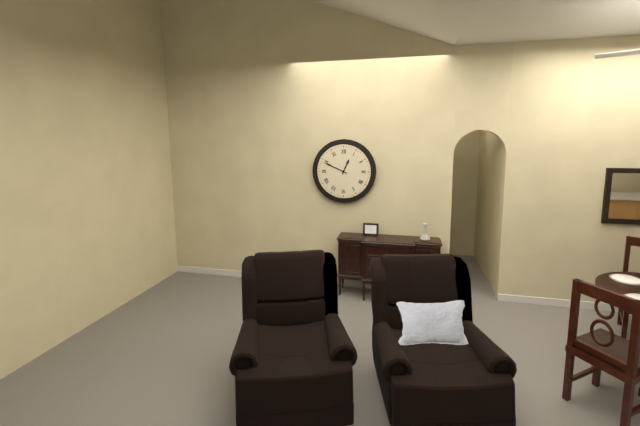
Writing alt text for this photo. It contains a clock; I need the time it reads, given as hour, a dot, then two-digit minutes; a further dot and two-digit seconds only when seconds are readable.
12.49
